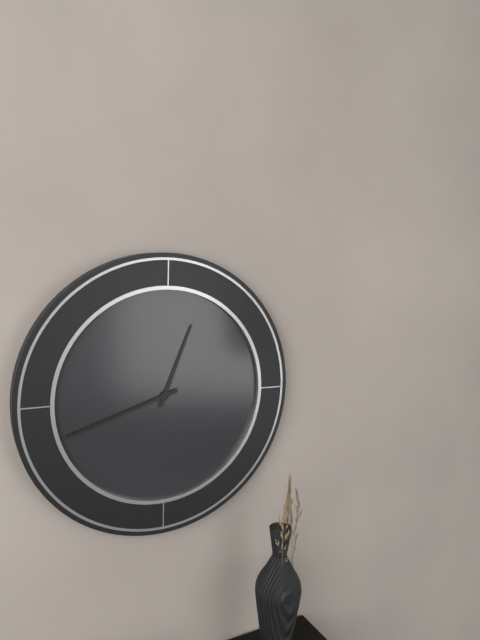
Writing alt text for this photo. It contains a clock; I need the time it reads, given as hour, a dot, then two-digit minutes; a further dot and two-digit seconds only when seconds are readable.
12.42
